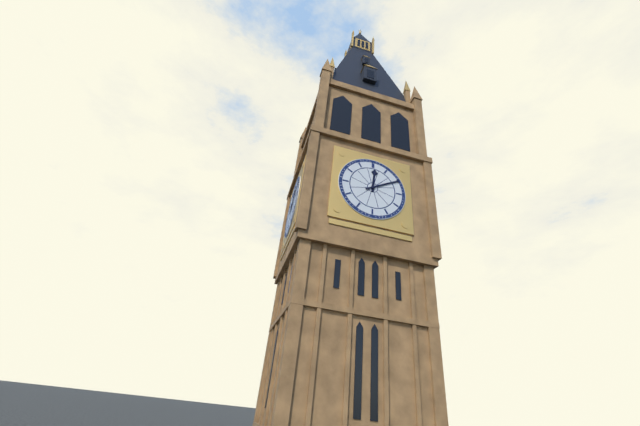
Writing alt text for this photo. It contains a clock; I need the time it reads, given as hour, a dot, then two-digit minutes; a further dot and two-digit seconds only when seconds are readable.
12.10
